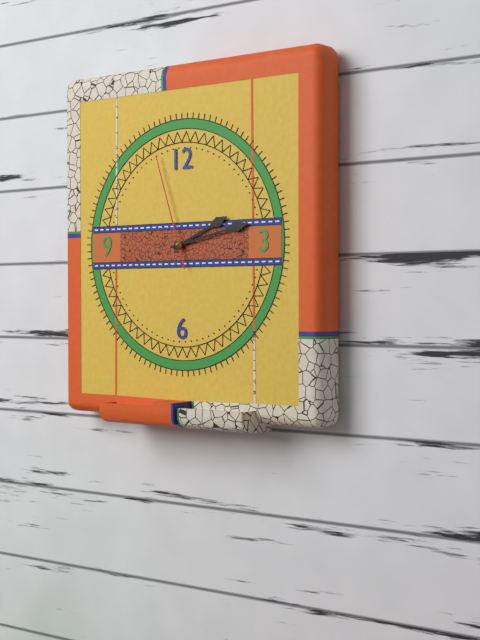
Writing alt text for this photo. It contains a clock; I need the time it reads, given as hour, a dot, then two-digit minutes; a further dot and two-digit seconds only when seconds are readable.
2.13.57
